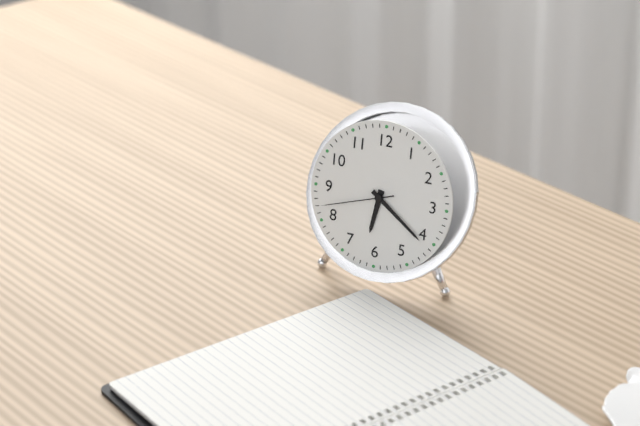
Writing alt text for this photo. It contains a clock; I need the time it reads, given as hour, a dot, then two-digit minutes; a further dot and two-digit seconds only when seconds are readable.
6.21.42
